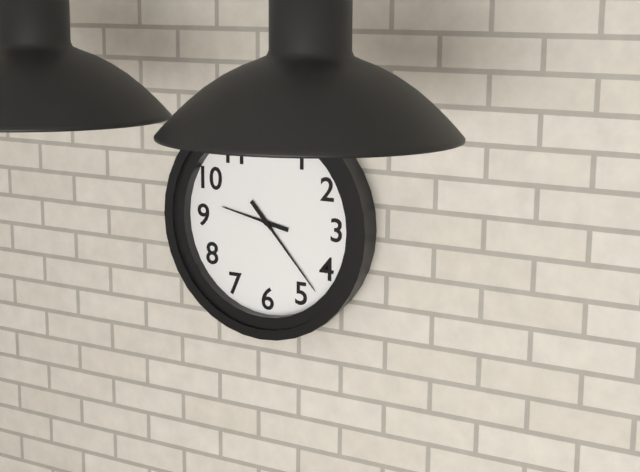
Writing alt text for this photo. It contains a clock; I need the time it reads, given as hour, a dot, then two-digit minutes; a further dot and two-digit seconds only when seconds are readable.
9.23
